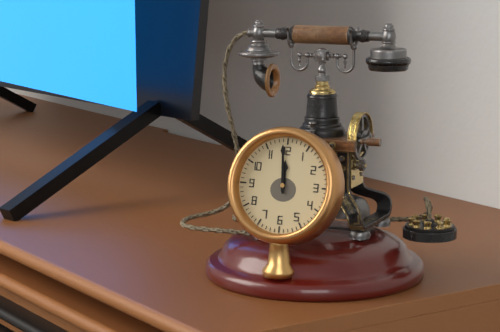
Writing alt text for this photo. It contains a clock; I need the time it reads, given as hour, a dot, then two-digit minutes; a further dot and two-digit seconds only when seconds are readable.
11.59
